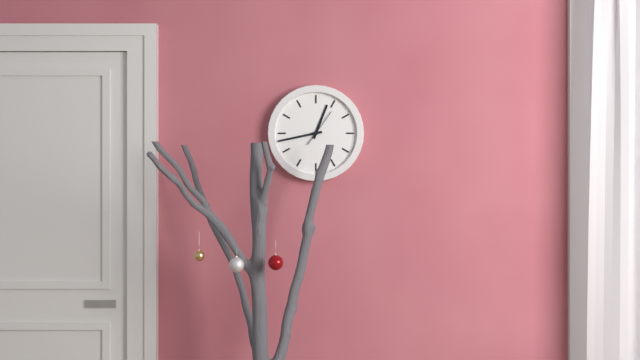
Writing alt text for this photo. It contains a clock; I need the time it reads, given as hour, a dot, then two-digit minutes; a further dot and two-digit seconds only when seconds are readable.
12.43
